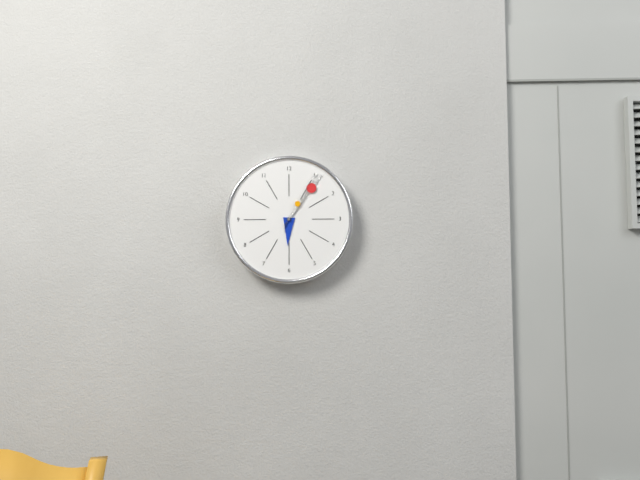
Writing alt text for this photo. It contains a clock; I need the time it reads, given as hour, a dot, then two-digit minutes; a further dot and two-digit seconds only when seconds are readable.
6.06.05
